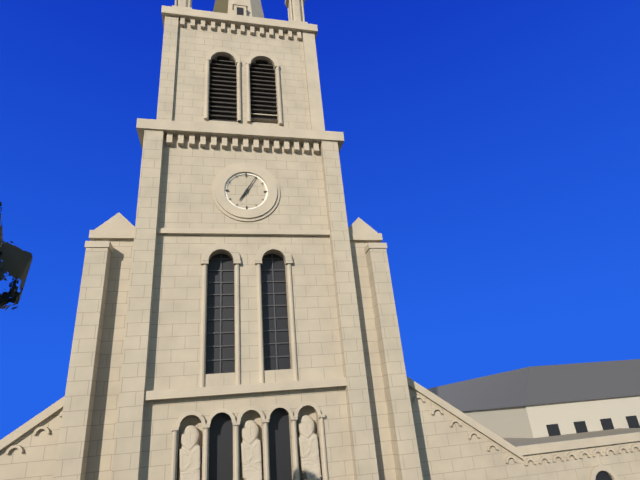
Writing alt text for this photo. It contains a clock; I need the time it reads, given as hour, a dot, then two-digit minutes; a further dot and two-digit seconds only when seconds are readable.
7.05
